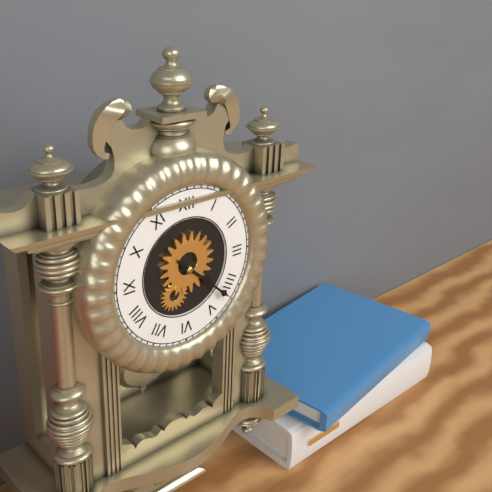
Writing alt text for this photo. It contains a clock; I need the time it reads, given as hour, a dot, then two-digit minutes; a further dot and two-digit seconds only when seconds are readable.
4.22
